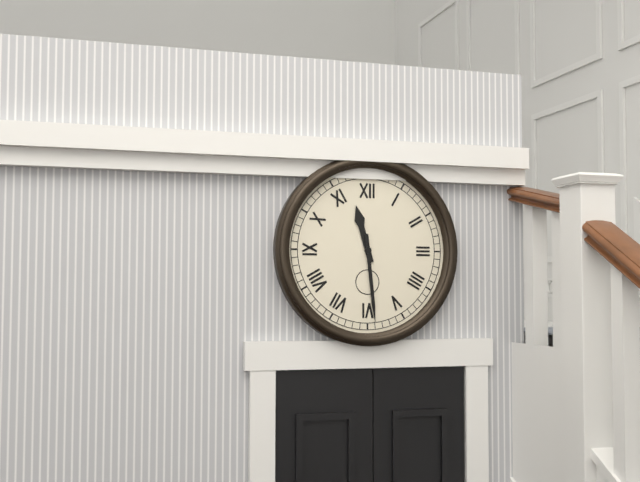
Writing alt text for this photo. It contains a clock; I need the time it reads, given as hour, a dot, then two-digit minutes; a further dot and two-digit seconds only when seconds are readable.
11.29
